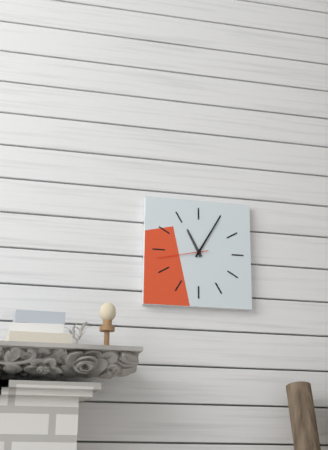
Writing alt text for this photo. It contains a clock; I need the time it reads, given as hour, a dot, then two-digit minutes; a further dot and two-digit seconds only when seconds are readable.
11.05.43
